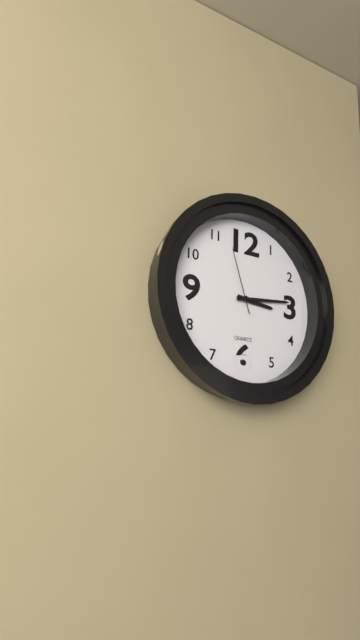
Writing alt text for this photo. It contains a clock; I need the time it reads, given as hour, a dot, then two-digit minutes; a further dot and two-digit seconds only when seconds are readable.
3.14.57
